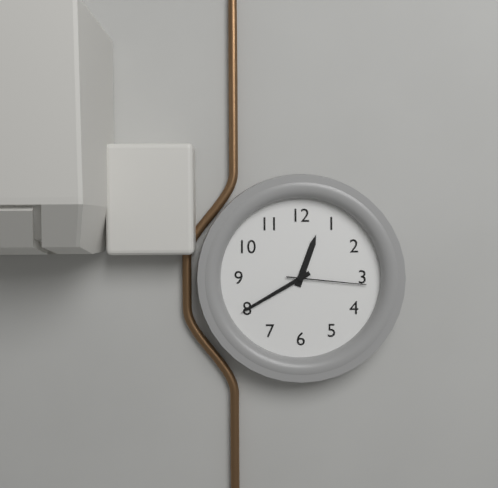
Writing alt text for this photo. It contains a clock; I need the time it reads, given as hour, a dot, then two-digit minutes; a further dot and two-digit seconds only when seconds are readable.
12.40.16
